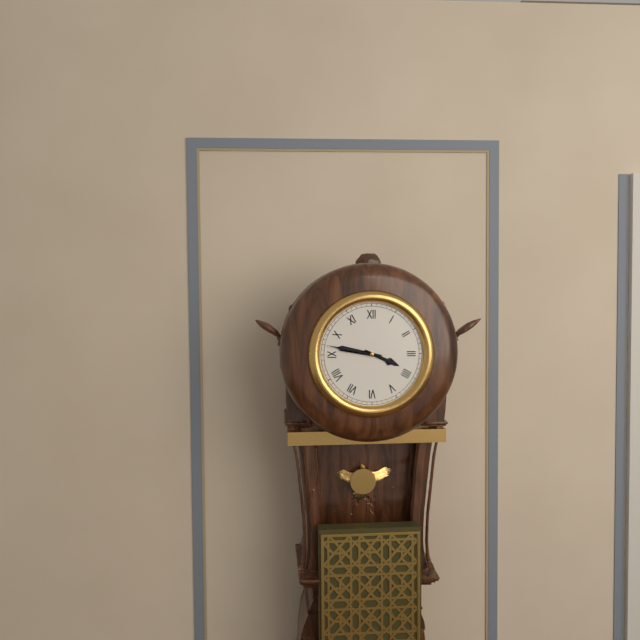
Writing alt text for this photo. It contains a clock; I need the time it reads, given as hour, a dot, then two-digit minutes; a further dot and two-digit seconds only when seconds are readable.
3.47
